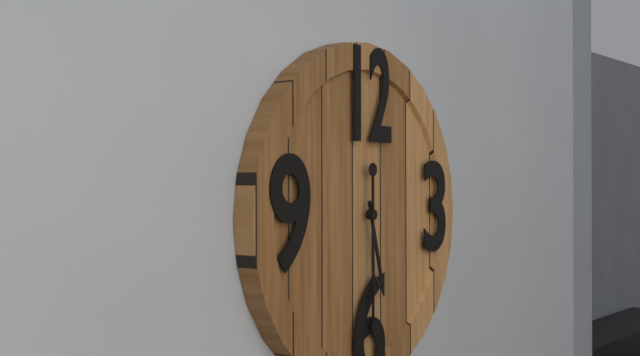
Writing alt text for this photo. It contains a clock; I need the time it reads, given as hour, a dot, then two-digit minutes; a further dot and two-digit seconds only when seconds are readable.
5.30
